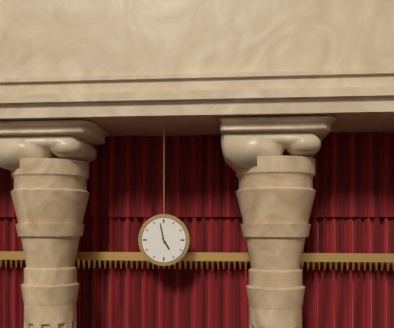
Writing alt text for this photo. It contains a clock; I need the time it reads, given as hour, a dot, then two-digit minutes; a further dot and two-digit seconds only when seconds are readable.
4.58
